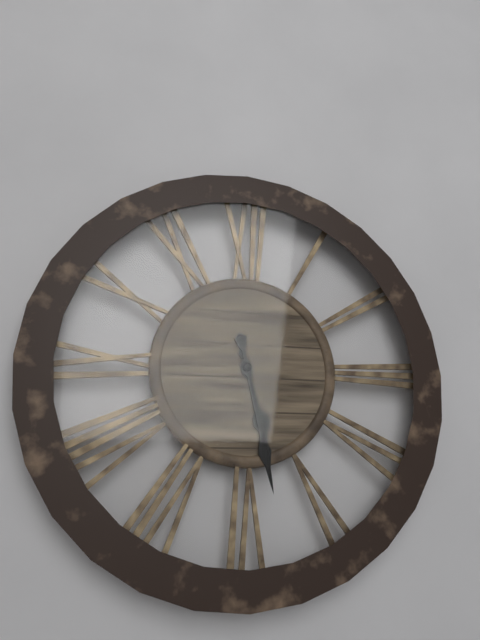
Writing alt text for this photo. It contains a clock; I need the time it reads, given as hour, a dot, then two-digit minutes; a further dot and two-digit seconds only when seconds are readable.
5.28
